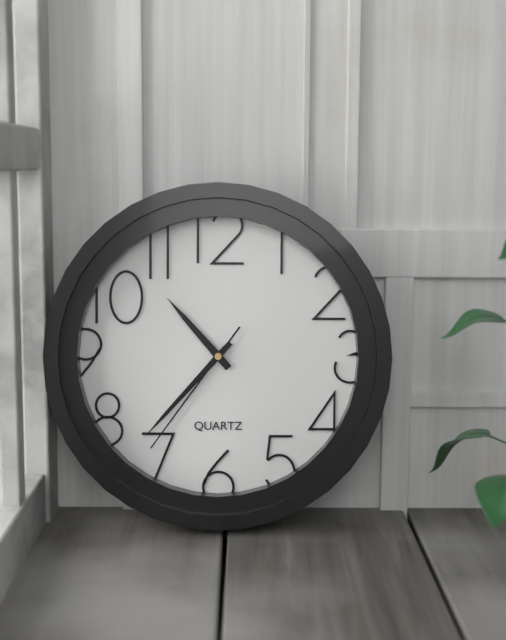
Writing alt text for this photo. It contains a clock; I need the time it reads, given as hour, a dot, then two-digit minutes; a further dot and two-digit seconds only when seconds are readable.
10.37.36
